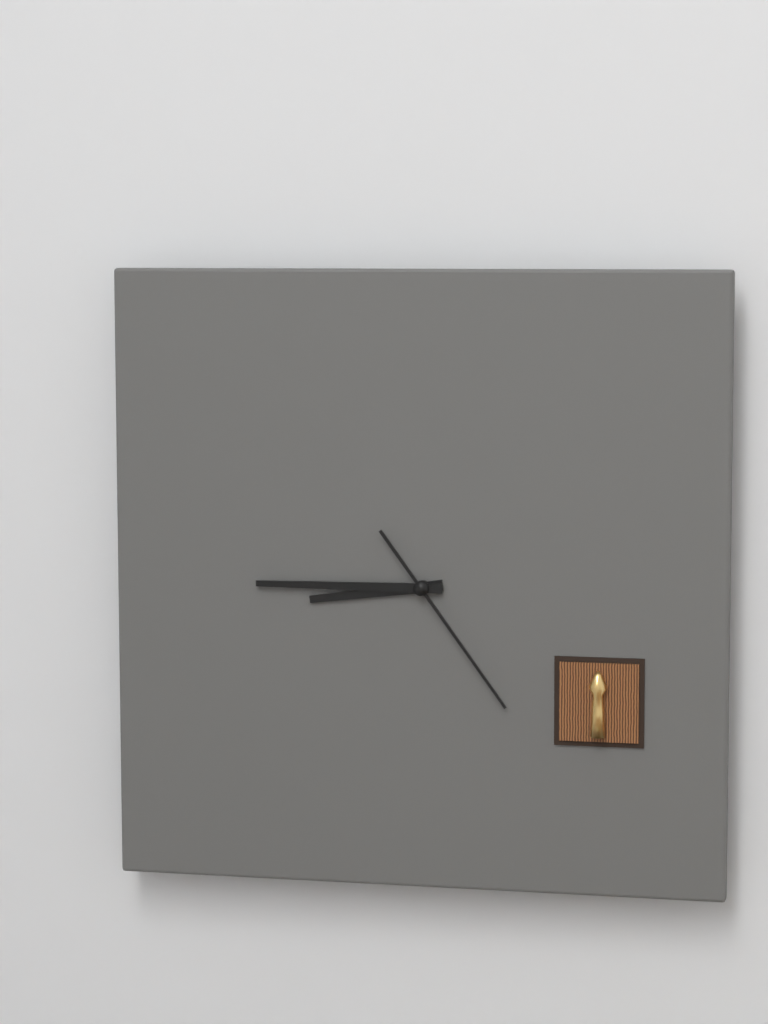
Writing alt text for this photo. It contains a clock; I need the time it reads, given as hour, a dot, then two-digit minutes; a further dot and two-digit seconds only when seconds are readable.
8.45.24
